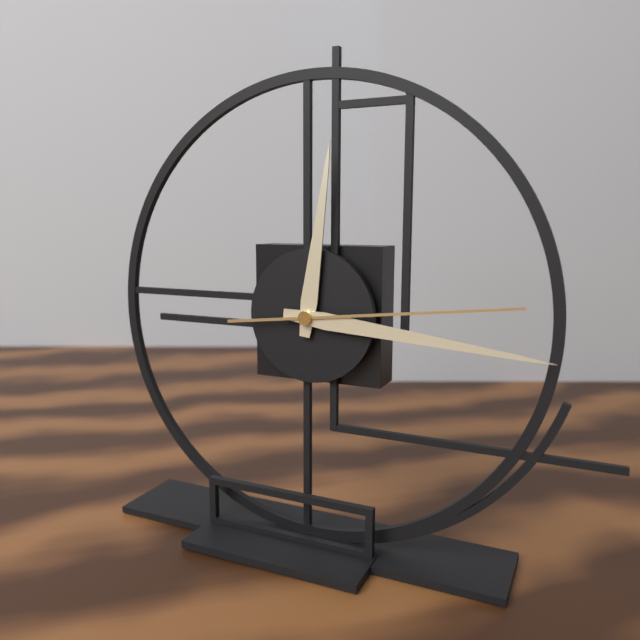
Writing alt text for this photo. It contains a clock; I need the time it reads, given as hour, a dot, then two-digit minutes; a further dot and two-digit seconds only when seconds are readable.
12.16.14
